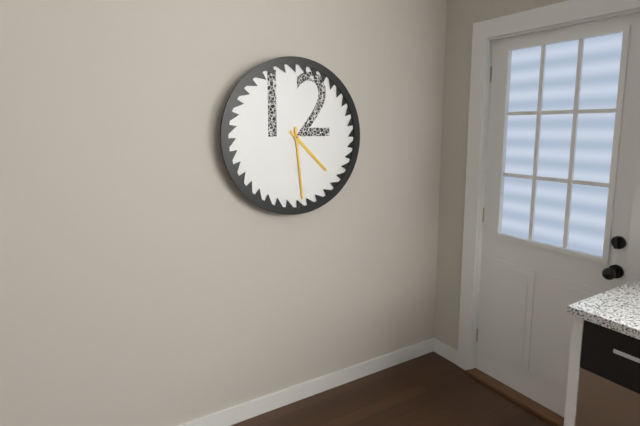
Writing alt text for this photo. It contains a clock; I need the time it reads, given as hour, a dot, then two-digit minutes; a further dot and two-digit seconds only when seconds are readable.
4.29
